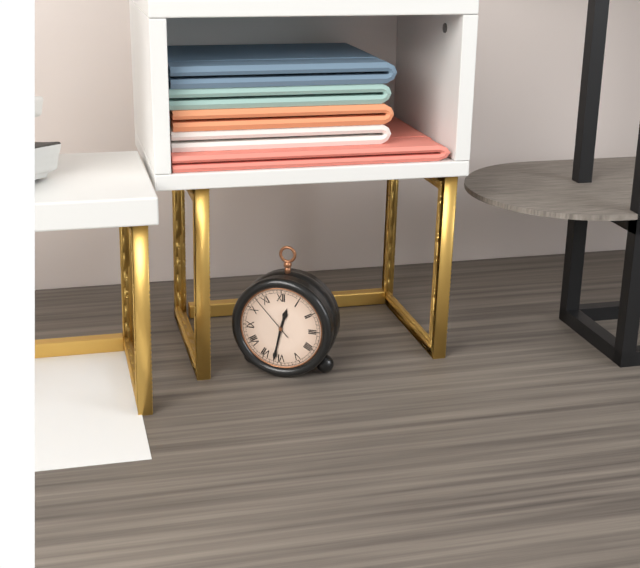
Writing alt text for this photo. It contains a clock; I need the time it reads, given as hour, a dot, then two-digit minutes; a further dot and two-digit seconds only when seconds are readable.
12.32.53
